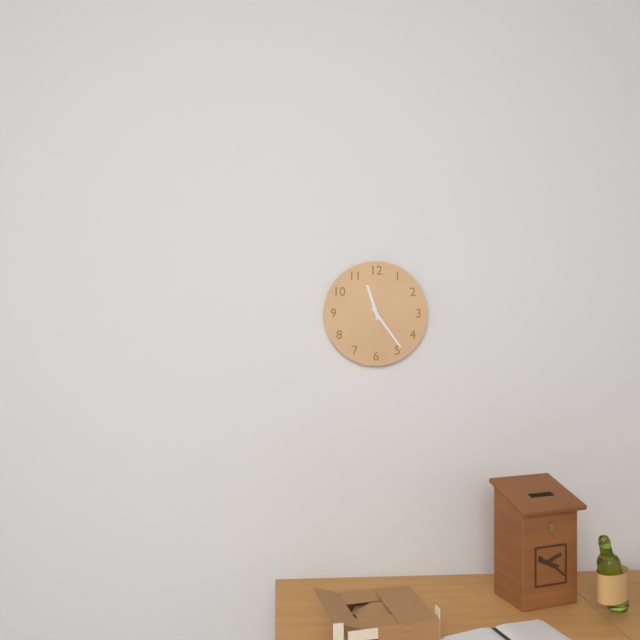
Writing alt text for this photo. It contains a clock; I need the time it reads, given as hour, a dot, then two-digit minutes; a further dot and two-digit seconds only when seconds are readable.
11.24
